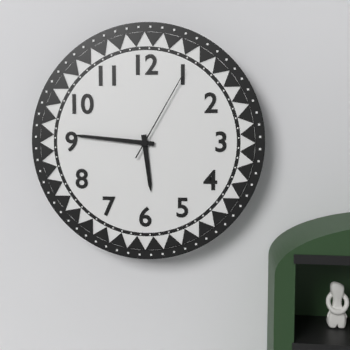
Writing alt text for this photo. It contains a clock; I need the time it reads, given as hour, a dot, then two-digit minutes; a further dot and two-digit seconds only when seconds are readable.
5.46.05
